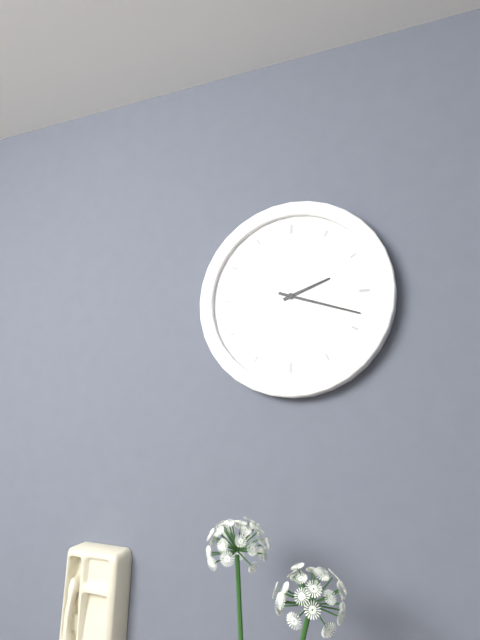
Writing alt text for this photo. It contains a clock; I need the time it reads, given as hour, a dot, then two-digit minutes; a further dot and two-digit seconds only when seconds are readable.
2.18
